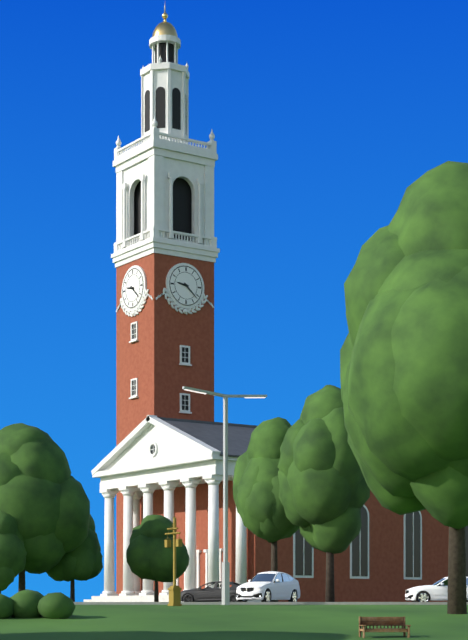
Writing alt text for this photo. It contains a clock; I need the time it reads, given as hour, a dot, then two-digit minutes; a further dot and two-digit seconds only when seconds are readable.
9.22
